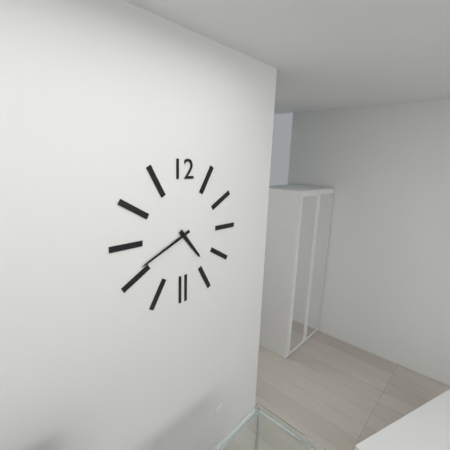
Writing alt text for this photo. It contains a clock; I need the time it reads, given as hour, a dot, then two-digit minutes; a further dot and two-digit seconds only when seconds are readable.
4.41
